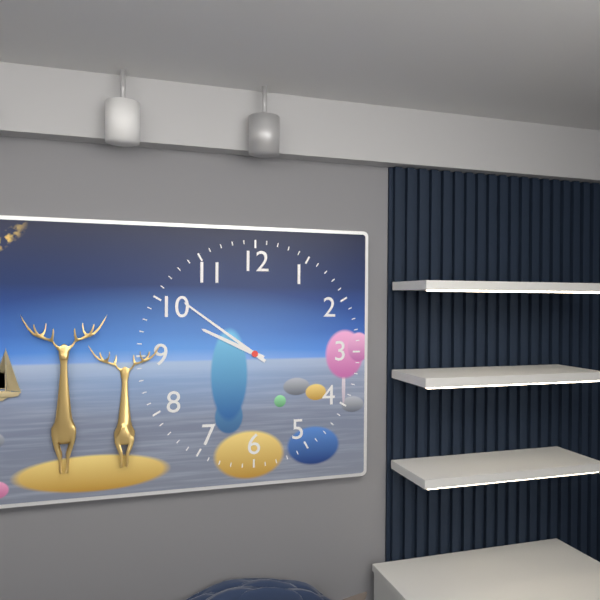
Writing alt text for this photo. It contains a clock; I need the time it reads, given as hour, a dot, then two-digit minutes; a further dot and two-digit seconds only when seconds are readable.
9.51
